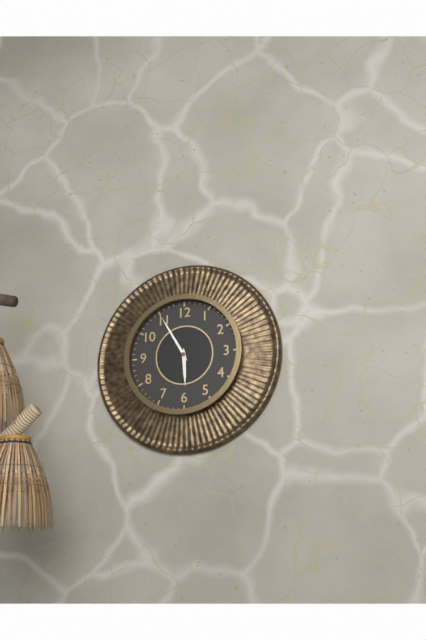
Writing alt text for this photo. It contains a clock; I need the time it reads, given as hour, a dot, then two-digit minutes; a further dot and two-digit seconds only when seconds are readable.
5.55
